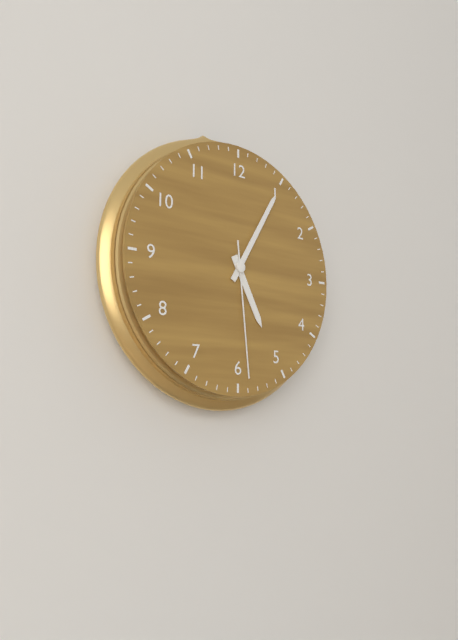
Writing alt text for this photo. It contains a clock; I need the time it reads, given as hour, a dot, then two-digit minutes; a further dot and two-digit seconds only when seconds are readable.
5.05.29
